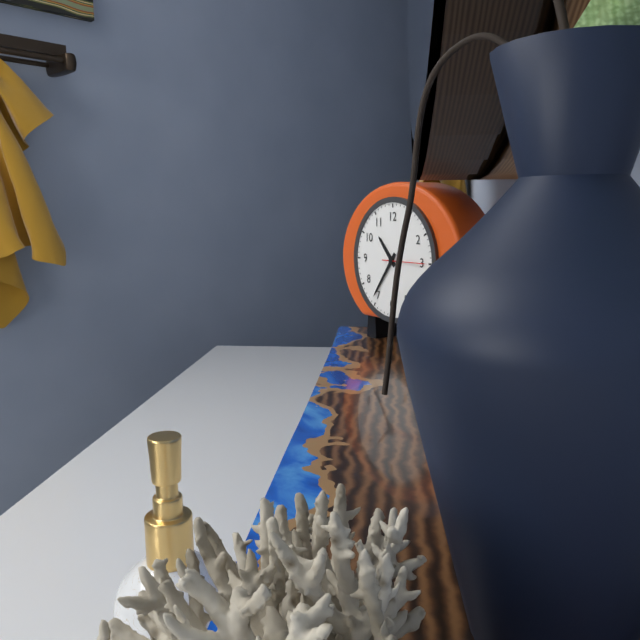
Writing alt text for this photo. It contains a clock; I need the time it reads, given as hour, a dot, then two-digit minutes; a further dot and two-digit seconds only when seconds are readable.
10.36
